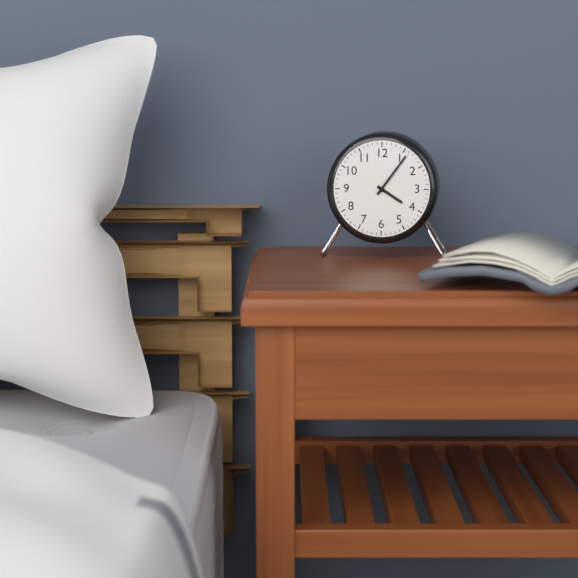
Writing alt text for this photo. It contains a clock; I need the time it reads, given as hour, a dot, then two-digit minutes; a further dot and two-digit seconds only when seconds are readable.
4.06
